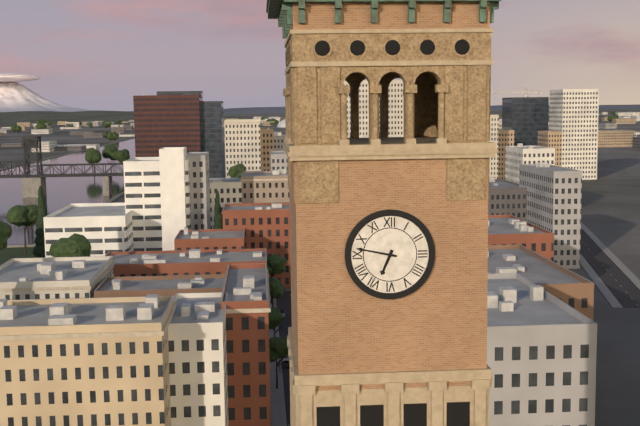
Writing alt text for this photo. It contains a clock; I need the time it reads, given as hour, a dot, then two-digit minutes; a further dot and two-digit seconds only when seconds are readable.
6.47
